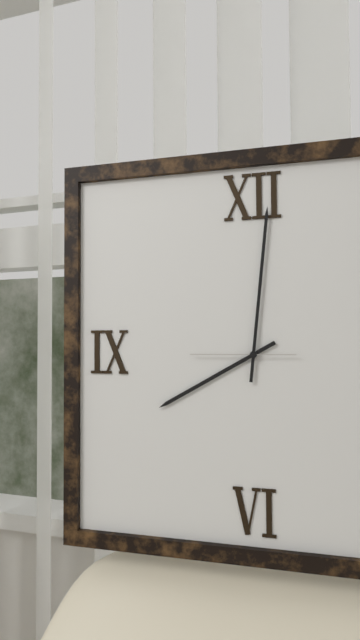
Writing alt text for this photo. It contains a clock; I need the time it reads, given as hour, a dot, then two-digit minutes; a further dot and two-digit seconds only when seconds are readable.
8.01.45
